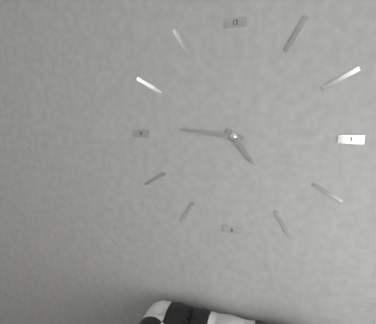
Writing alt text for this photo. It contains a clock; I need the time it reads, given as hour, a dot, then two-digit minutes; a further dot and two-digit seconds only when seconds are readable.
4.46
